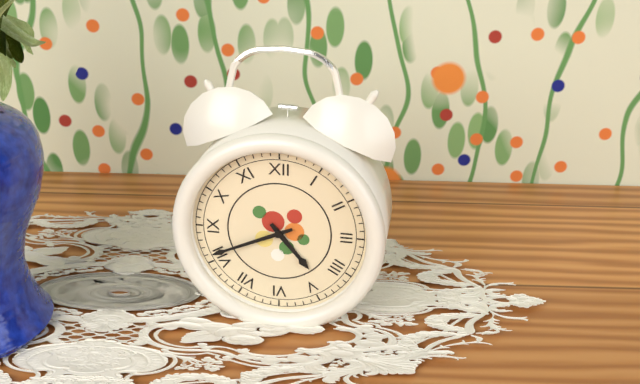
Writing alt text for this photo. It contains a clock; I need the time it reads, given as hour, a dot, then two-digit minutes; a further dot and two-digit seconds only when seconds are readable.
4.41
